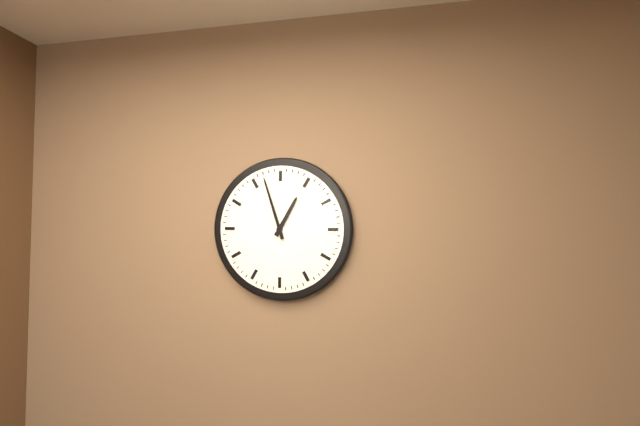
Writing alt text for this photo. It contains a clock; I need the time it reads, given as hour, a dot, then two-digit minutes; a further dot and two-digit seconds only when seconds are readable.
12.57
